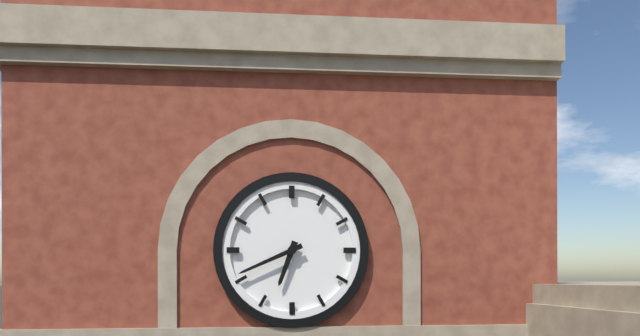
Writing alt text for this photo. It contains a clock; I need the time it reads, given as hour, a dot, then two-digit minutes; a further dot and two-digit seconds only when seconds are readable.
6.41
